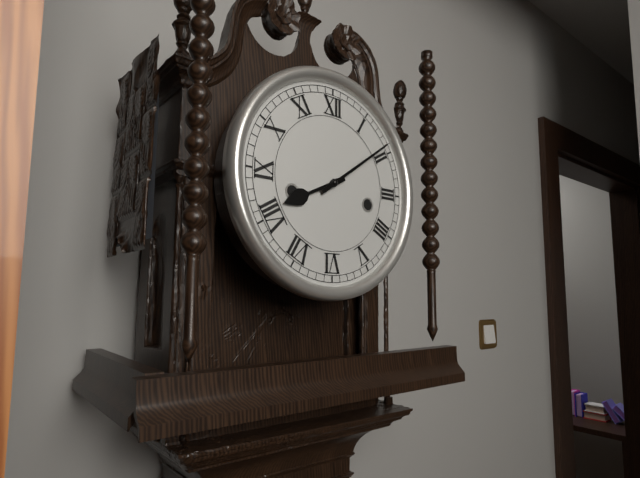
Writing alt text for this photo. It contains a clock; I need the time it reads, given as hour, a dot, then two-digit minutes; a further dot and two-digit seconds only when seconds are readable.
8.09
